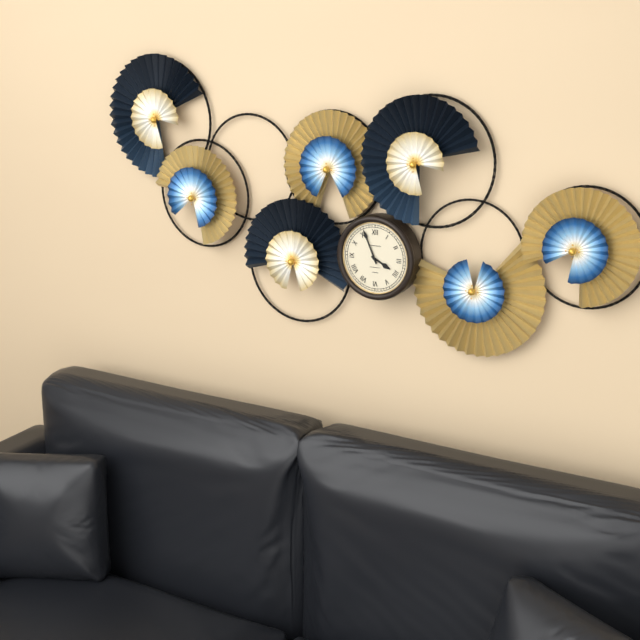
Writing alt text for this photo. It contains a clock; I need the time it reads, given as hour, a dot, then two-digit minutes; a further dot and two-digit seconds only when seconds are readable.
3.56
